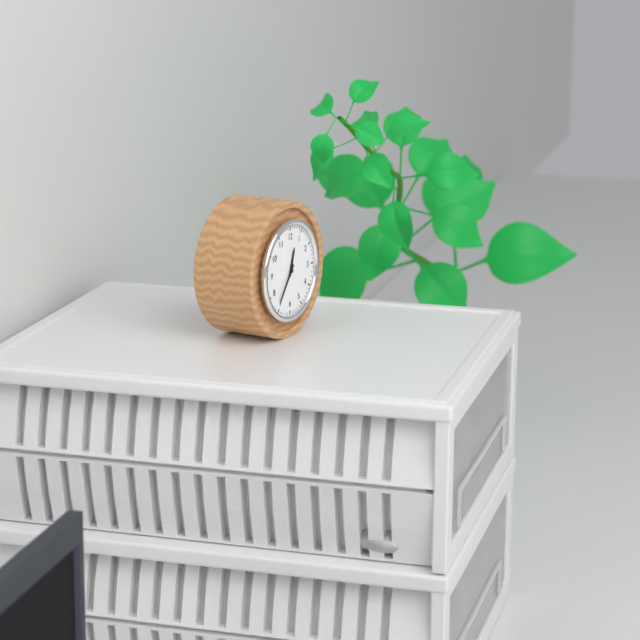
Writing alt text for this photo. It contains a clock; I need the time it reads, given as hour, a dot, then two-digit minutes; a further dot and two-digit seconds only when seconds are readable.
12.36
